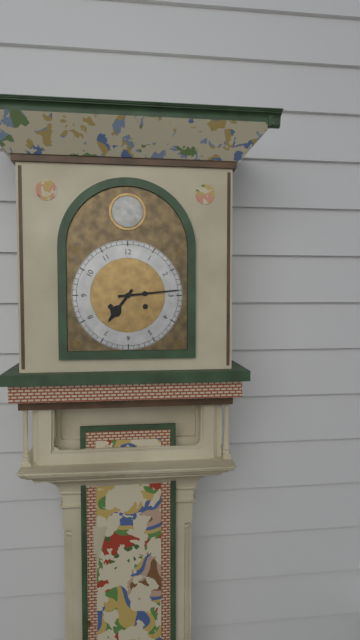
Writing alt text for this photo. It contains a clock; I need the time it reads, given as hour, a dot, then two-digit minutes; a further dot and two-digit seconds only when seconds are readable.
7.14
